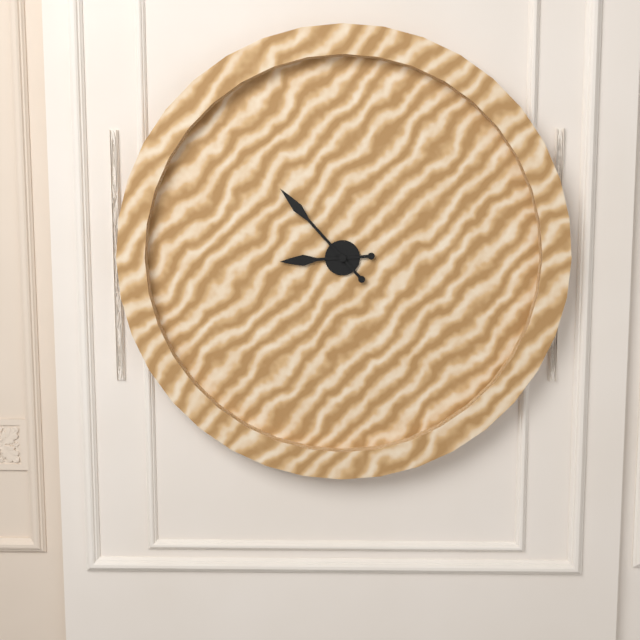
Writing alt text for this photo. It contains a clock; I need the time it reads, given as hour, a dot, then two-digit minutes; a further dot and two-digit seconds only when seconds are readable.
8.53
